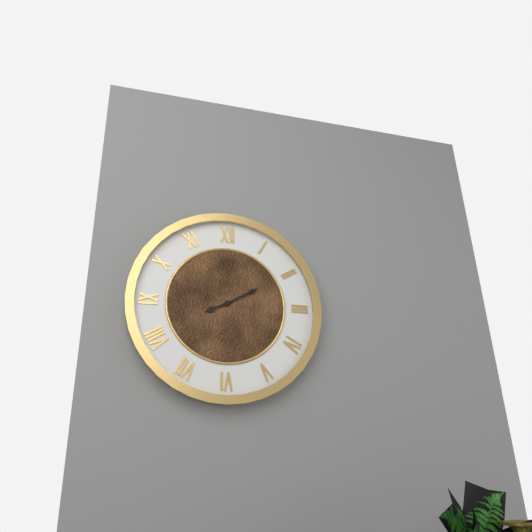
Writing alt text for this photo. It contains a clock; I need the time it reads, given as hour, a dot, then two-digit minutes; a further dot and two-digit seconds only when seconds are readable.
8.10
